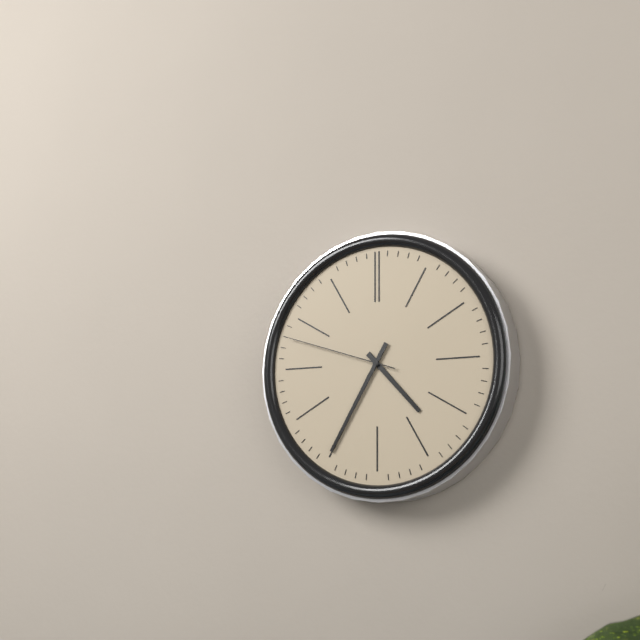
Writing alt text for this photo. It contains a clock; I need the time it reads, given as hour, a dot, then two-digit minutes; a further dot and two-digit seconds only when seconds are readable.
4.35.48
